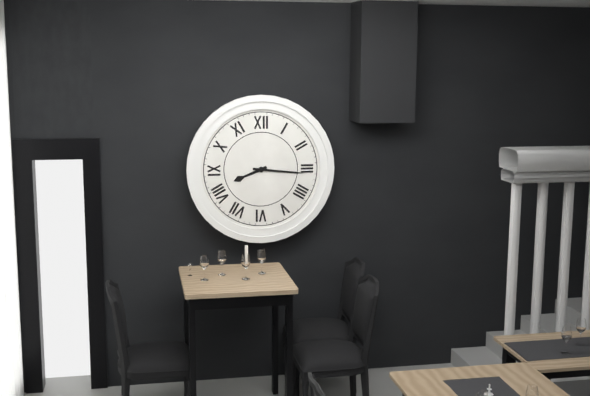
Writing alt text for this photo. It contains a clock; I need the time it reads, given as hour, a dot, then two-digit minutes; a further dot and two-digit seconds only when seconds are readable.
8.16
